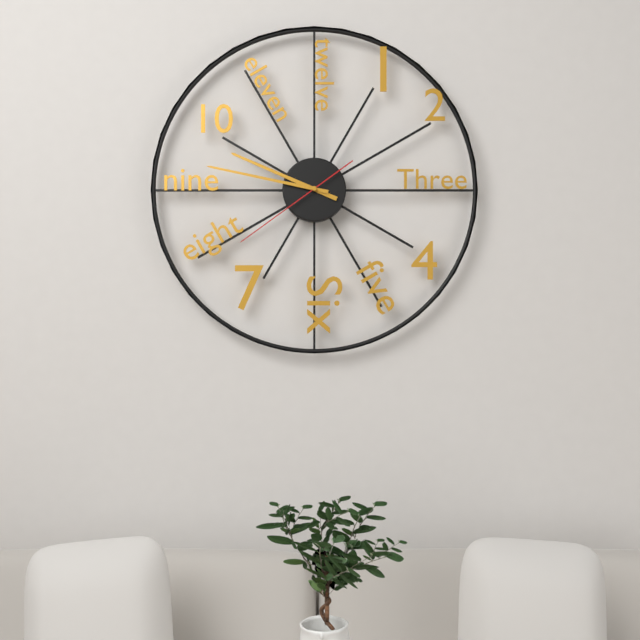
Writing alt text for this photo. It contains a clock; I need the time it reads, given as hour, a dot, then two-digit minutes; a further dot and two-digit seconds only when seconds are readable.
9.47.39
